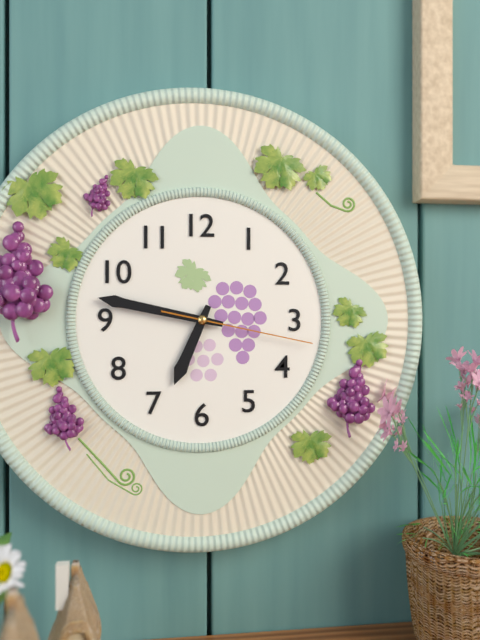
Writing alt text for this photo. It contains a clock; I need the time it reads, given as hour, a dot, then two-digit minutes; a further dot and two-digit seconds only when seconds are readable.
6.47.17
